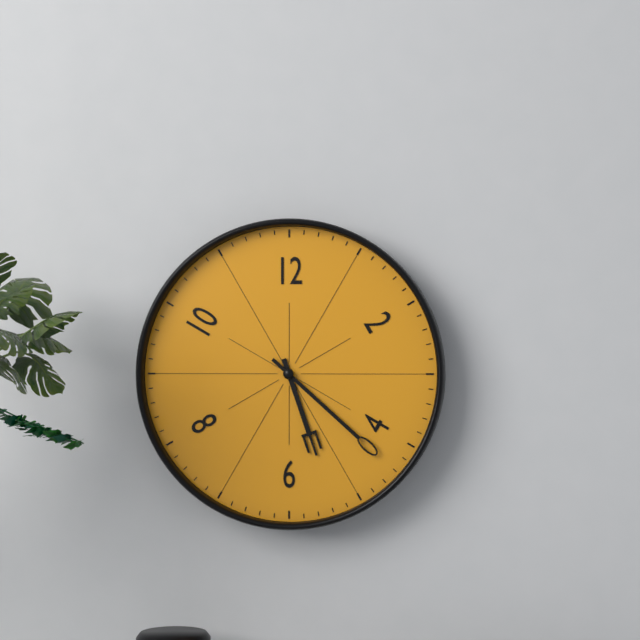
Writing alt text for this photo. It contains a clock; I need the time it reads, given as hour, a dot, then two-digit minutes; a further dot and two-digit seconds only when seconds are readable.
5.22
